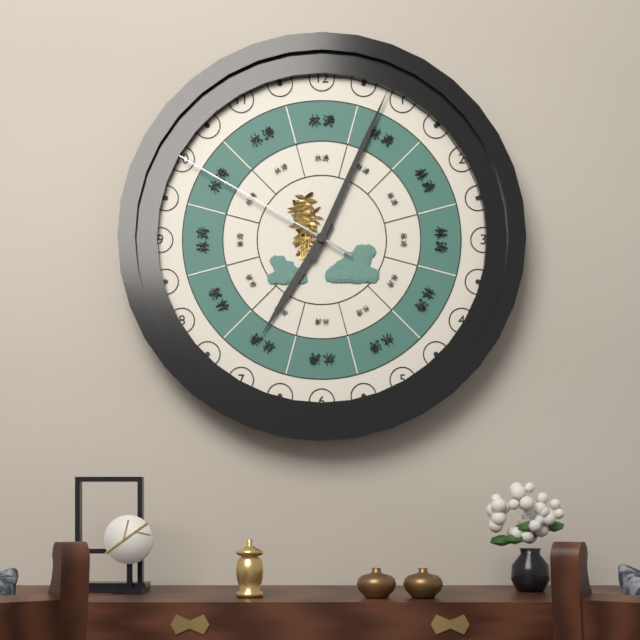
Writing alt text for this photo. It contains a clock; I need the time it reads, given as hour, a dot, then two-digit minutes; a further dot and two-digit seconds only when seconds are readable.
7.04.50
